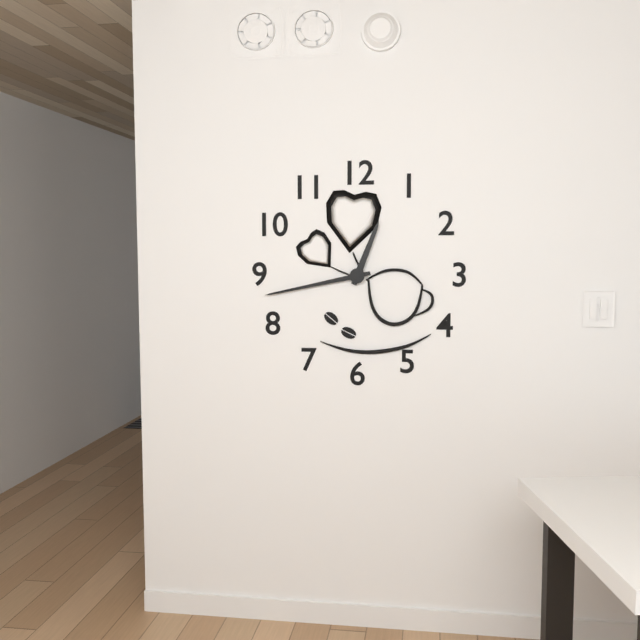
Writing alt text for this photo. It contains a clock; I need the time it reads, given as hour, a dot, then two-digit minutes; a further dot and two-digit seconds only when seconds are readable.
12.43
